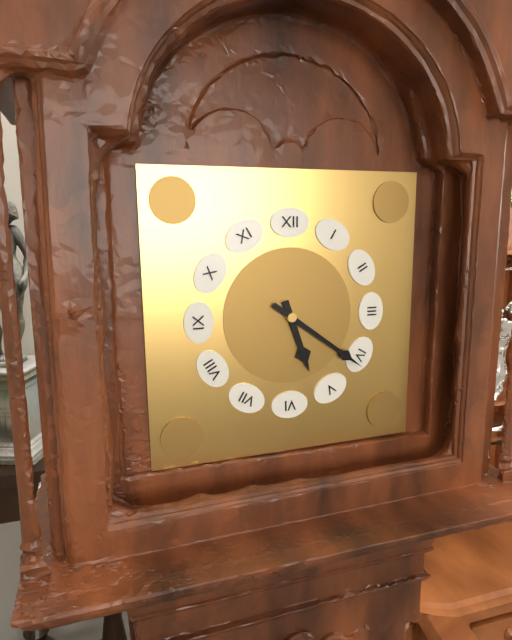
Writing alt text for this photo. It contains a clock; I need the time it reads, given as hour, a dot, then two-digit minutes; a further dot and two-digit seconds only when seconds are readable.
5.21
